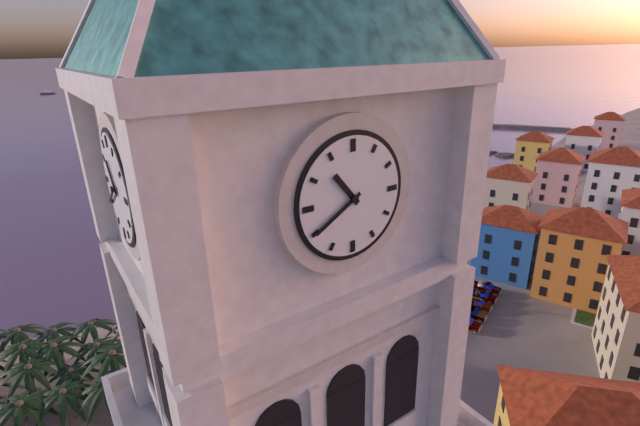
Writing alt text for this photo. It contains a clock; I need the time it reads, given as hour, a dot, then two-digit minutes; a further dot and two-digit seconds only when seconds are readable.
10.40
